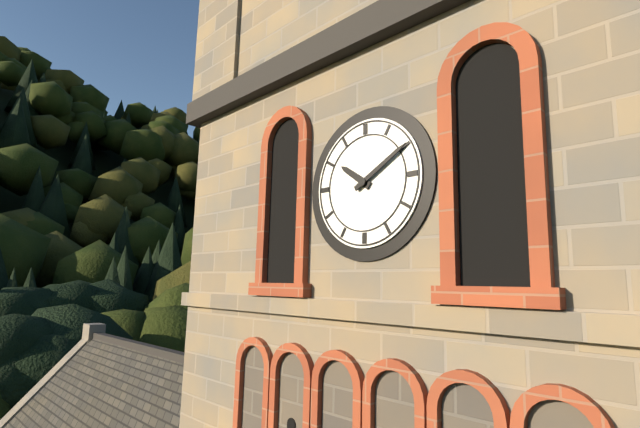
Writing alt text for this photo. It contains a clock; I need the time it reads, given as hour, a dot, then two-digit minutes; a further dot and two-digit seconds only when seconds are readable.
10.10
